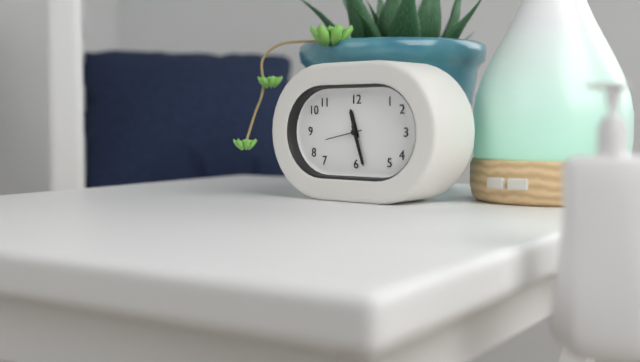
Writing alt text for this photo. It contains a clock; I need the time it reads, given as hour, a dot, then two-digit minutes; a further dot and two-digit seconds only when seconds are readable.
11.27.43
